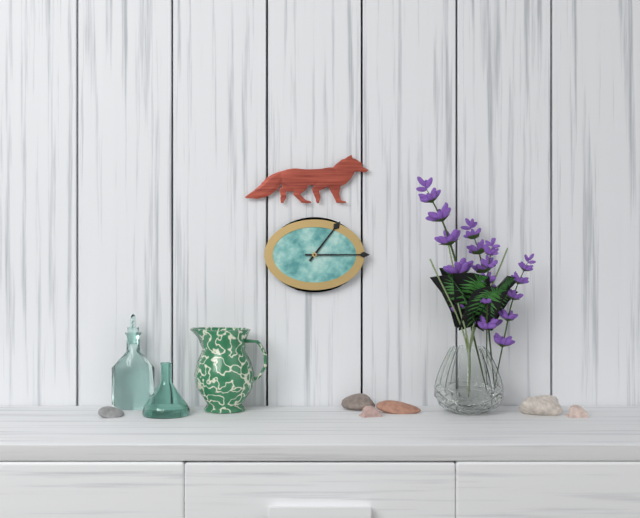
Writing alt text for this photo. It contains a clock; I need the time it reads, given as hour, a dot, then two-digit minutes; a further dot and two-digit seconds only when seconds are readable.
1.15
